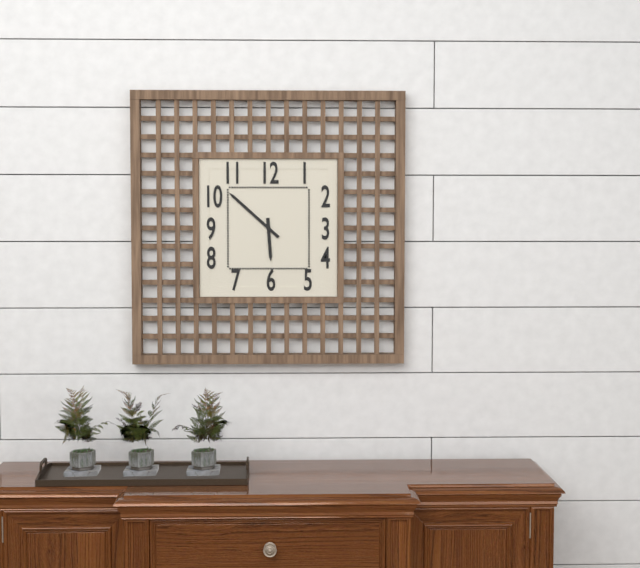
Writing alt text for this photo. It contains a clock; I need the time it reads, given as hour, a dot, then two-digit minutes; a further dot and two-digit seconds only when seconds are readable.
5.52
